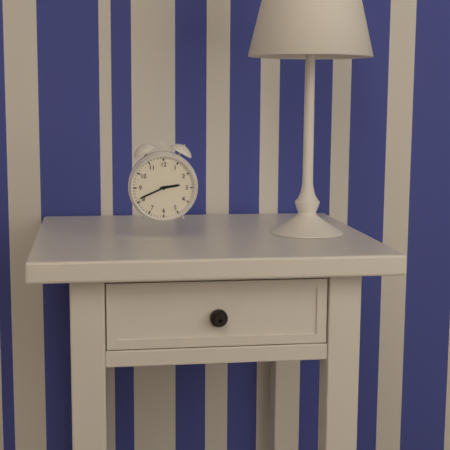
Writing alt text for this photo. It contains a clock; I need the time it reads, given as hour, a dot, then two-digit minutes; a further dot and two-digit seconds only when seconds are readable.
2.41
